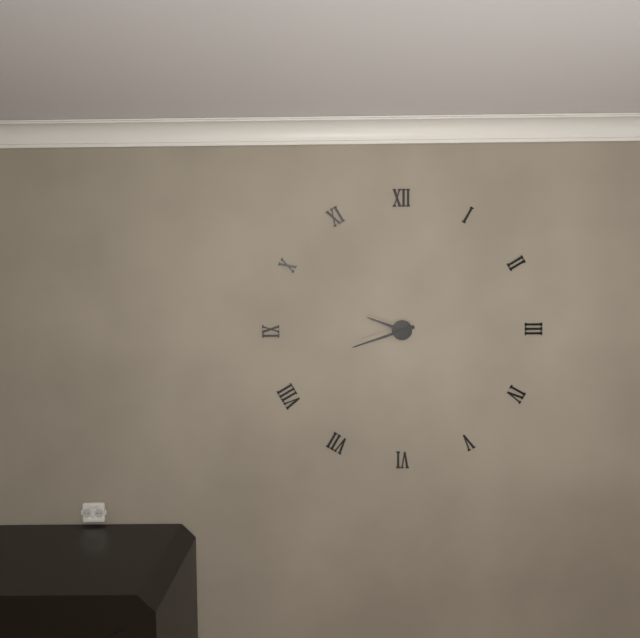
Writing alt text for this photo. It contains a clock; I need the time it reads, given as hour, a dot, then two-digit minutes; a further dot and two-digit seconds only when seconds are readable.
9.42
